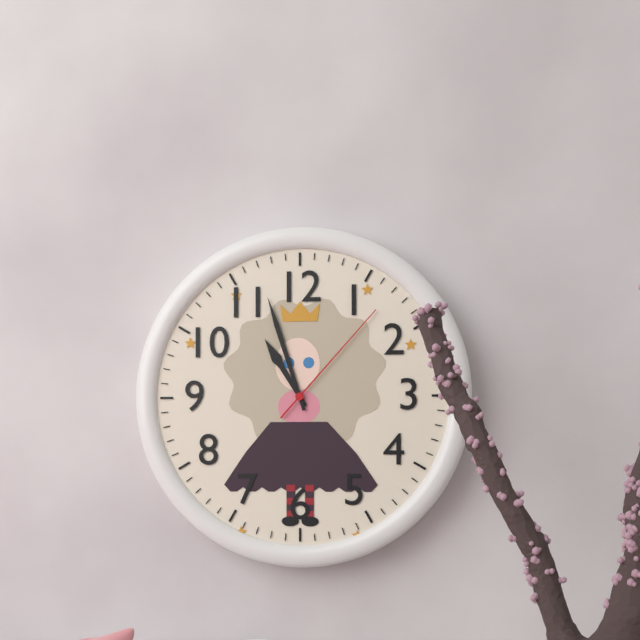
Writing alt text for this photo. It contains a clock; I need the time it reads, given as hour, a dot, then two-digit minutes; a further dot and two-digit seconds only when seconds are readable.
10.57.07
